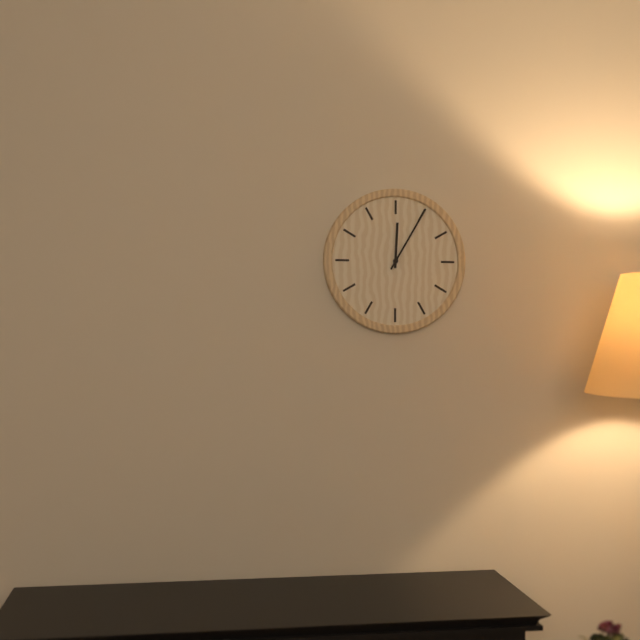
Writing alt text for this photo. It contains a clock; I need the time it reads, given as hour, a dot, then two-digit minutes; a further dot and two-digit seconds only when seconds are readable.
12.05
